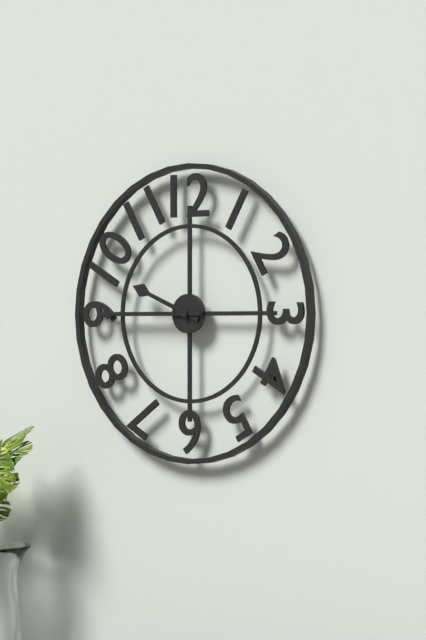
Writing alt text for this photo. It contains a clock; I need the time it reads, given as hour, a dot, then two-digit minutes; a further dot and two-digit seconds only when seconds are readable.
9.45
